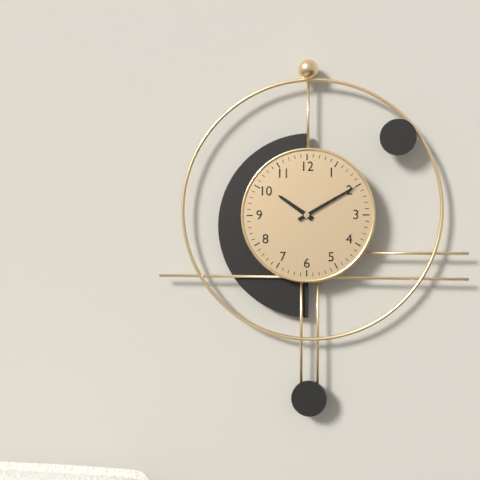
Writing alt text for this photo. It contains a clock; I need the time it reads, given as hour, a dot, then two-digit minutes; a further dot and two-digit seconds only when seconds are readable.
10.10
